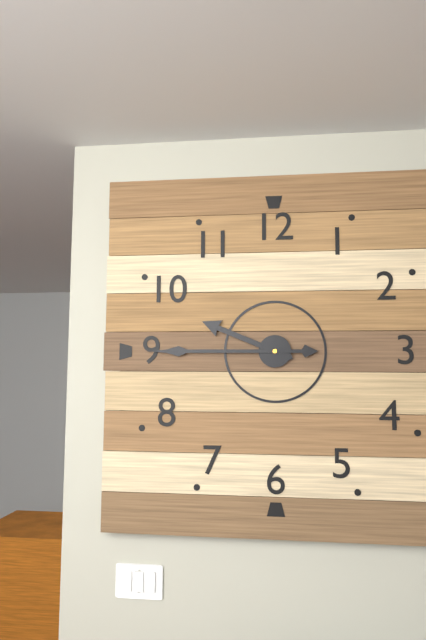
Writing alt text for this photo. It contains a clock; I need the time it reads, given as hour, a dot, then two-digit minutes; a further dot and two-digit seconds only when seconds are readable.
9.45
